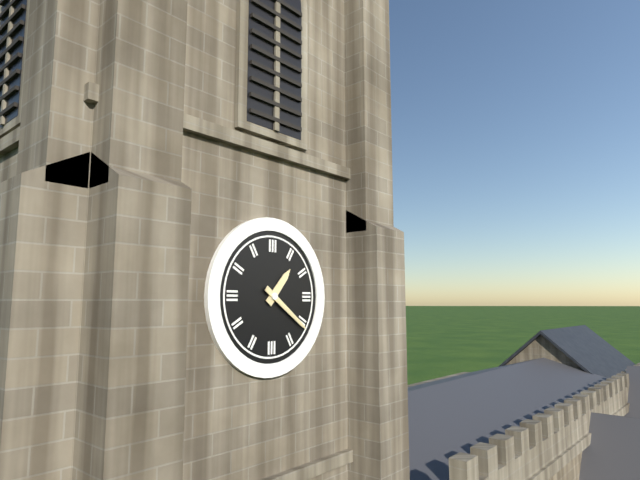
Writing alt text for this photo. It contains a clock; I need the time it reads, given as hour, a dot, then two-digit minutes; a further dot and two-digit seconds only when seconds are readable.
1.21
